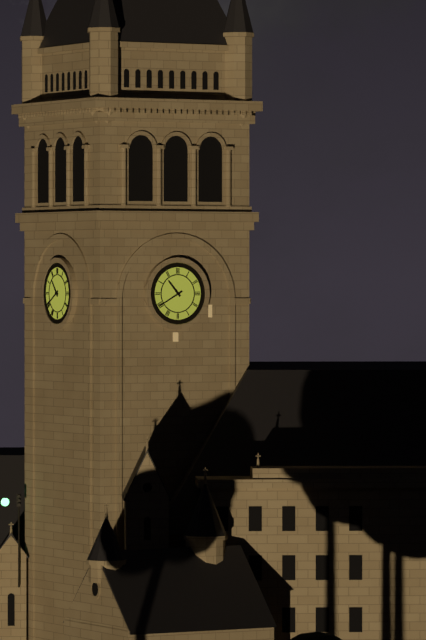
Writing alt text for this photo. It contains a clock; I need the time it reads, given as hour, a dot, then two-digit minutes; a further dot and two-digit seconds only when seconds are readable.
10.40
